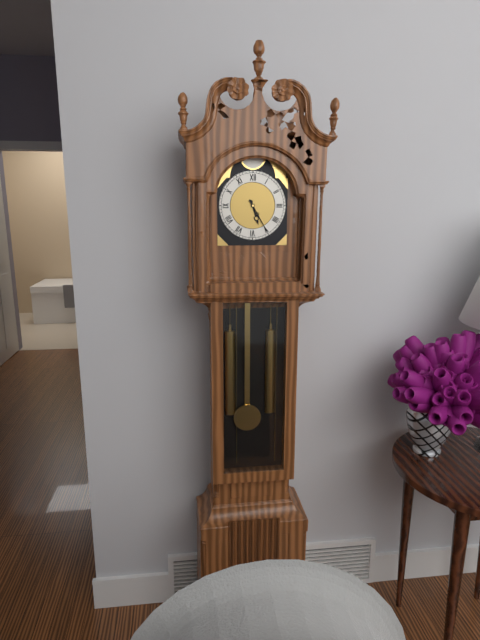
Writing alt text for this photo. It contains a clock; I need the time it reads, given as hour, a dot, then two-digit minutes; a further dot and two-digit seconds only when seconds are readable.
5.25
